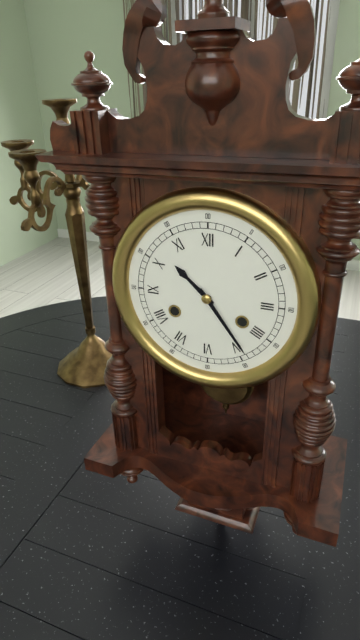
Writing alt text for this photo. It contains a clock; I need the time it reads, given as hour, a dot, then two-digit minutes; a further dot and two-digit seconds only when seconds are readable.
10.24
